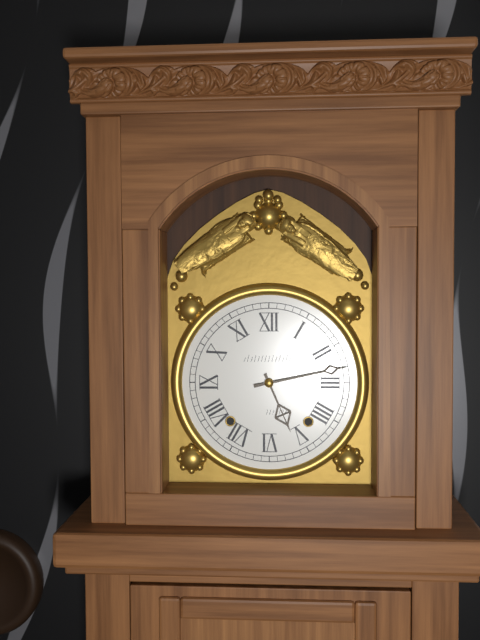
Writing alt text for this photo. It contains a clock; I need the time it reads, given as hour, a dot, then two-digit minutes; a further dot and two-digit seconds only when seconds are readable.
5.13
